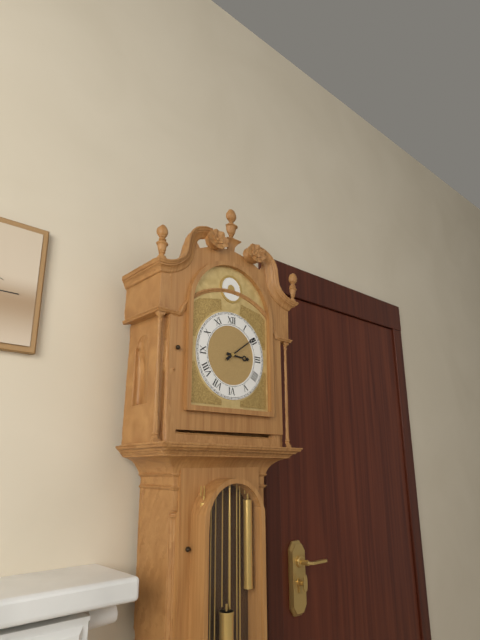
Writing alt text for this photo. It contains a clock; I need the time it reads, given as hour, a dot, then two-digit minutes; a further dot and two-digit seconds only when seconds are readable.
3.09
